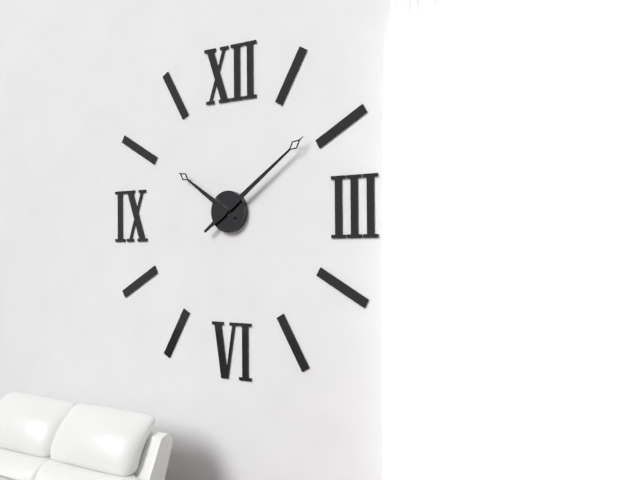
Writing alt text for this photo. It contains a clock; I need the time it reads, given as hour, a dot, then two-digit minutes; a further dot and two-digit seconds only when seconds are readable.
10.09
